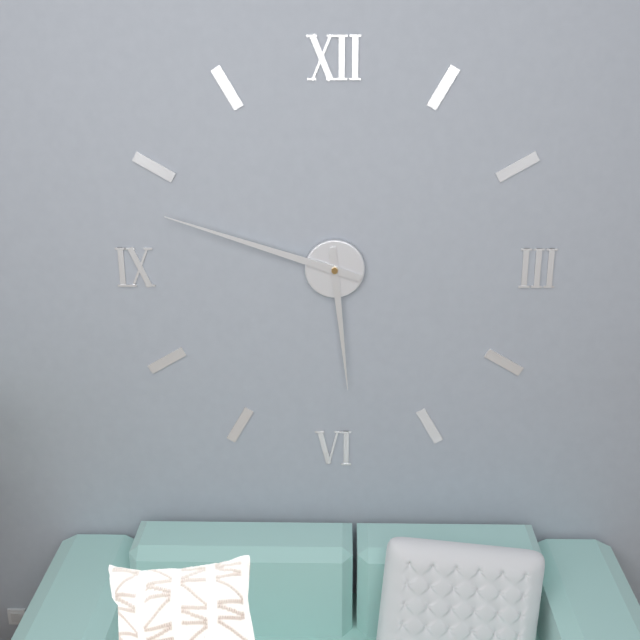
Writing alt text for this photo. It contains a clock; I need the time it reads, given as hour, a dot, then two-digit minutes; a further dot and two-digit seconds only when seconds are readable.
5.48
